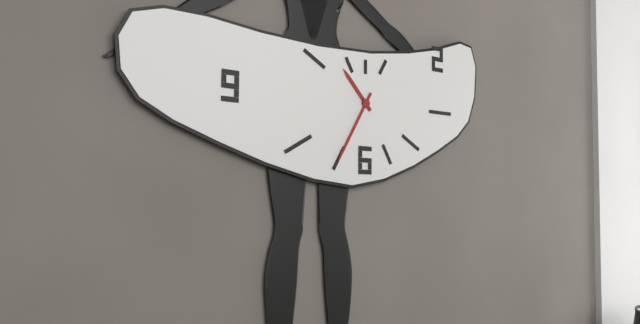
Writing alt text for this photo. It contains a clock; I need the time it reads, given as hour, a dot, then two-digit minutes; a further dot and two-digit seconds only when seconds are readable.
10.35
